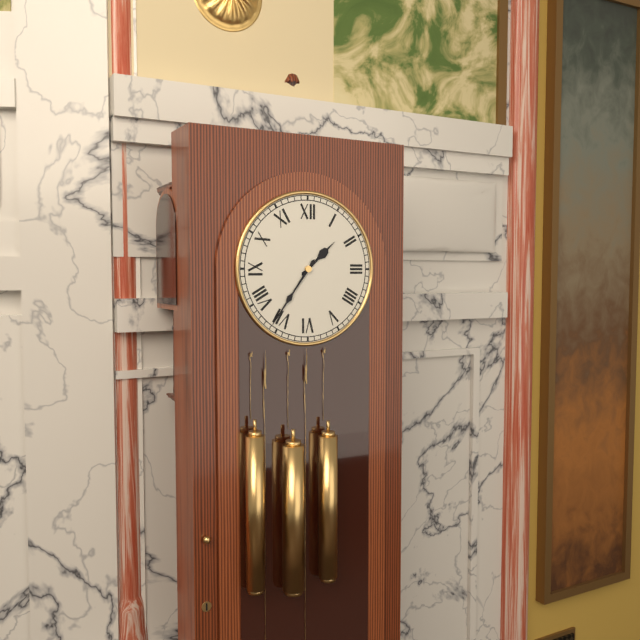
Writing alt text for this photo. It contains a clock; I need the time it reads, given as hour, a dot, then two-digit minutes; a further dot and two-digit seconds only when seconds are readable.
1.36
